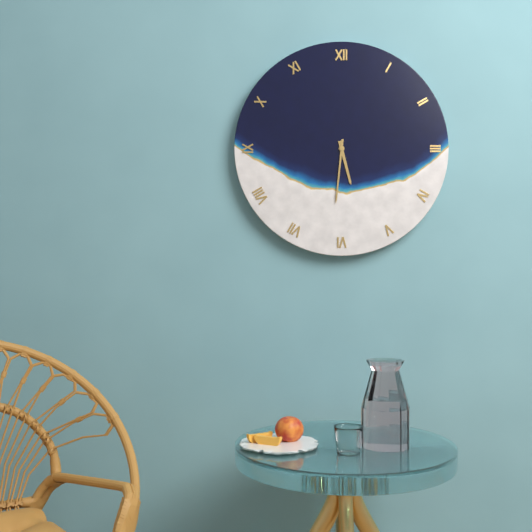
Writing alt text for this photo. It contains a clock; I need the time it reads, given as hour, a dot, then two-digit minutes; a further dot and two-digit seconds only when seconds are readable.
5.31
